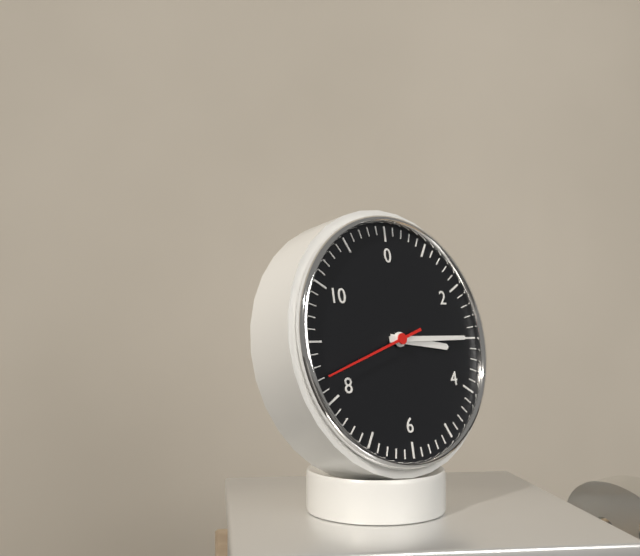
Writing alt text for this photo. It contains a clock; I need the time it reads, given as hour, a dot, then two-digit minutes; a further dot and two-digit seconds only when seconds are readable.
3.15.42
